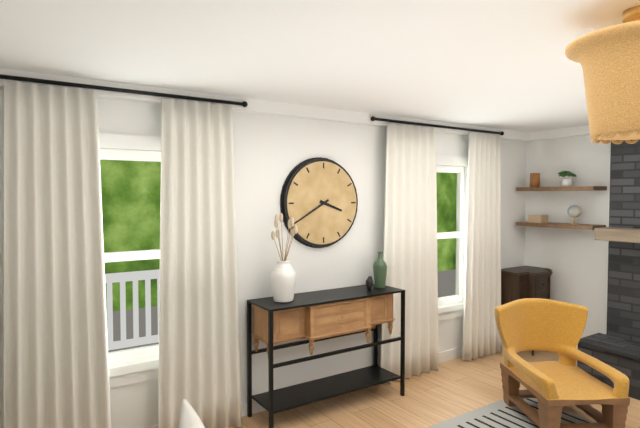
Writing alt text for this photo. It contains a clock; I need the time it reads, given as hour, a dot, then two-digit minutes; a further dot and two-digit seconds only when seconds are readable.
3.40
